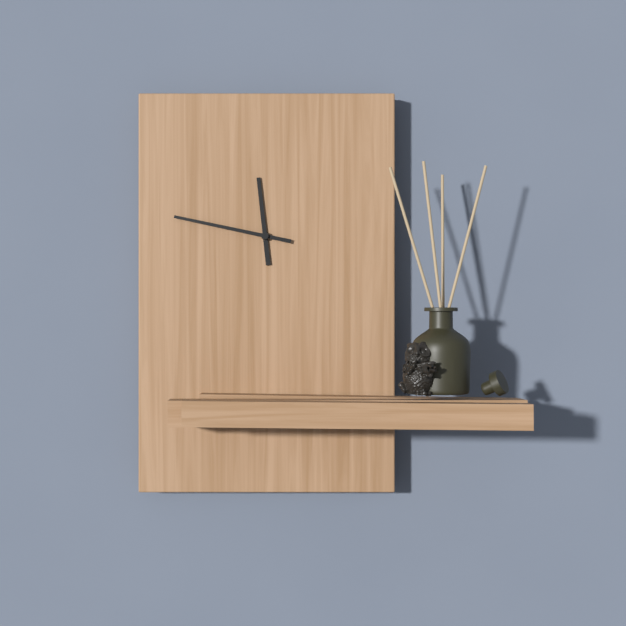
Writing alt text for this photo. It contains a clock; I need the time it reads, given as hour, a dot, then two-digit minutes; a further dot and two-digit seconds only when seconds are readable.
11.47
